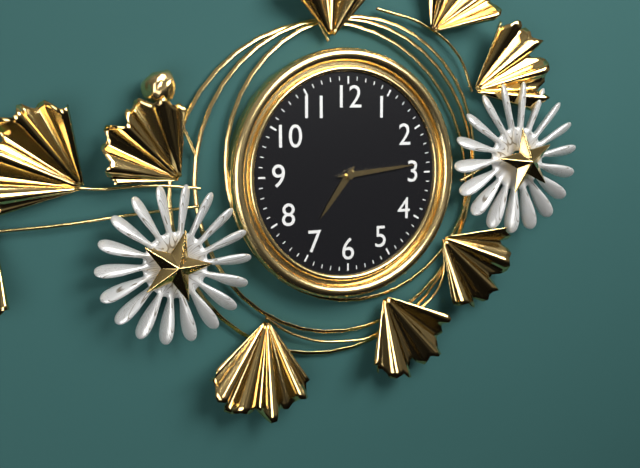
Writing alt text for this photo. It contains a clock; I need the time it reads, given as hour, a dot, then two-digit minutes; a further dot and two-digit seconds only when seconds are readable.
7.14
